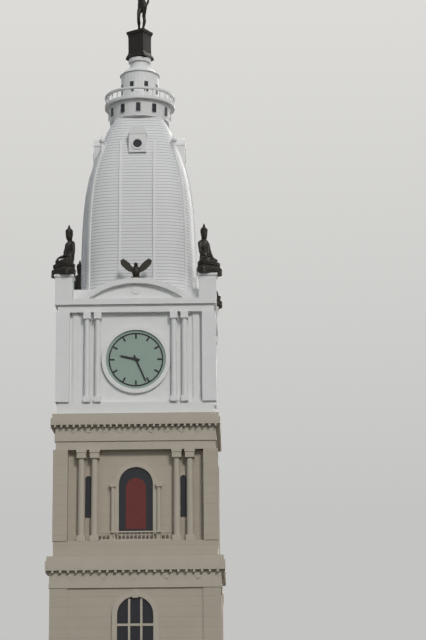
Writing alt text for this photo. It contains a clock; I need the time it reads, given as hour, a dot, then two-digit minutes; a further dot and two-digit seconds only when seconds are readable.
9.26
